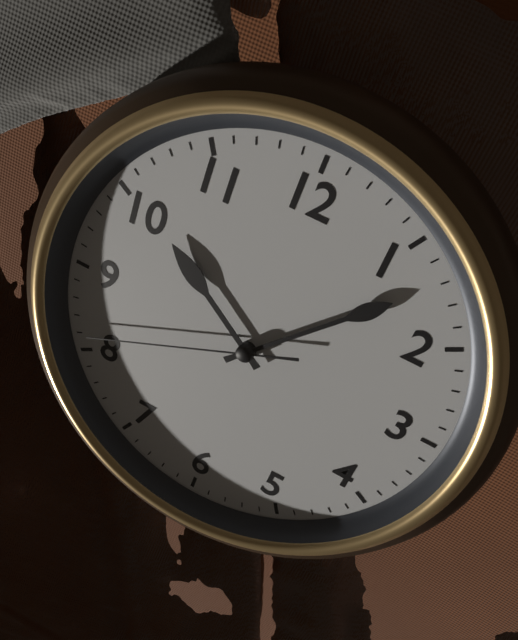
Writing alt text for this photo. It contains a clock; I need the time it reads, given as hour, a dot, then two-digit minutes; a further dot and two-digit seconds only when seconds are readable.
10.07.41
